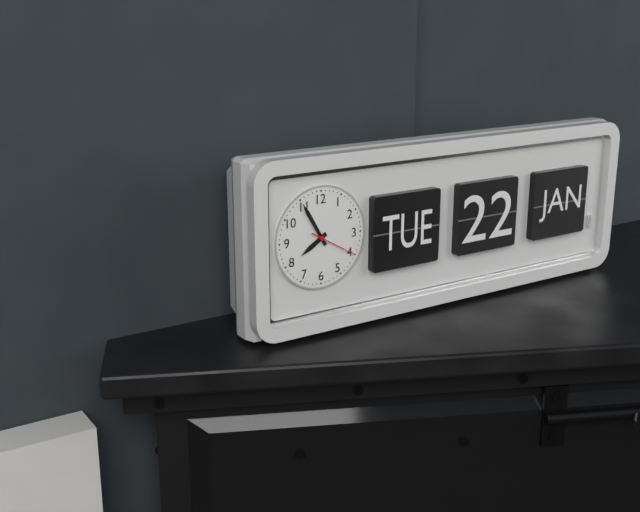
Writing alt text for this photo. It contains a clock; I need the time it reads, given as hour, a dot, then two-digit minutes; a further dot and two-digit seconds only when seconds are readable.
7.55
